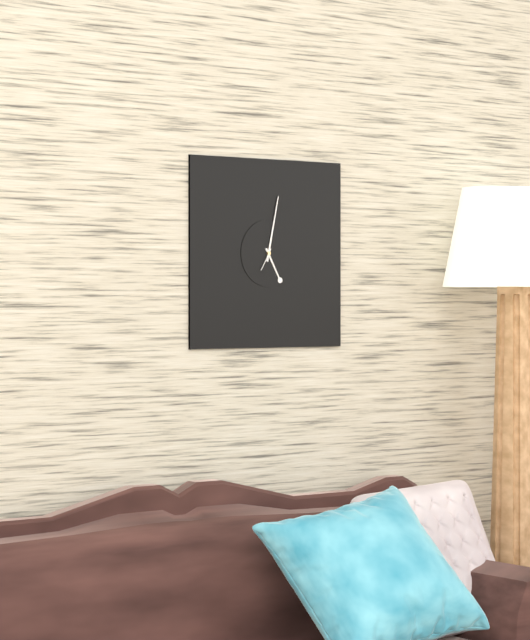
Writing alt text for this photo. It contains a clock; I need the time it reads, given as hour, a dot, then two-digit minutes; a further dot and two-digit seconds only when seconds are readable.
5.02
